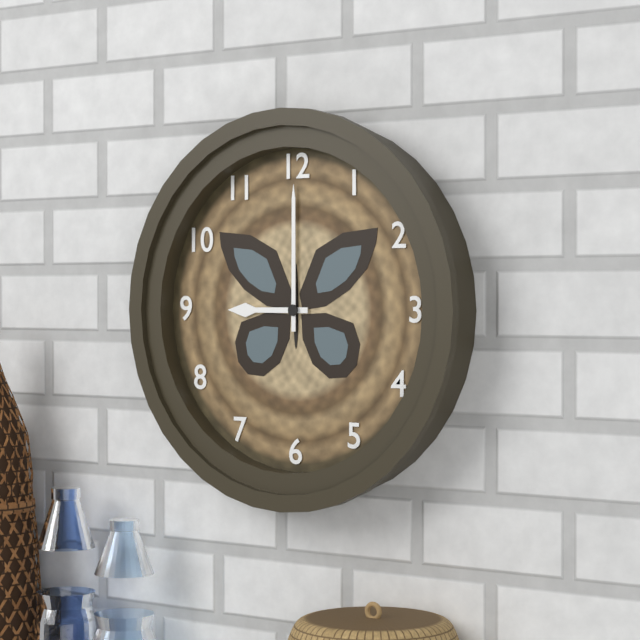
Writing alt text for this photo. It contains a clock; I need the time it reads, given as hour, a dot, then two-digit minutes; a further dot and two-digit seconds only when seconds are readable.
9.00
